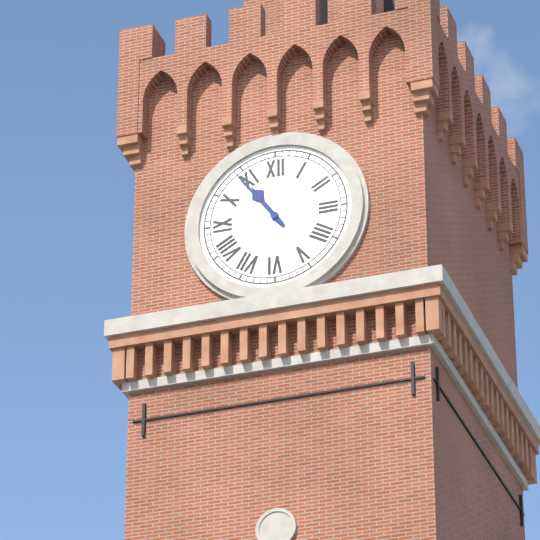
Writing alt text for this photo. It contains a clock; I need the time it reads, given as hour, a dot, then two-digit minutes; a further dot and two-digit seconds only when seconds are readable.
10.54
